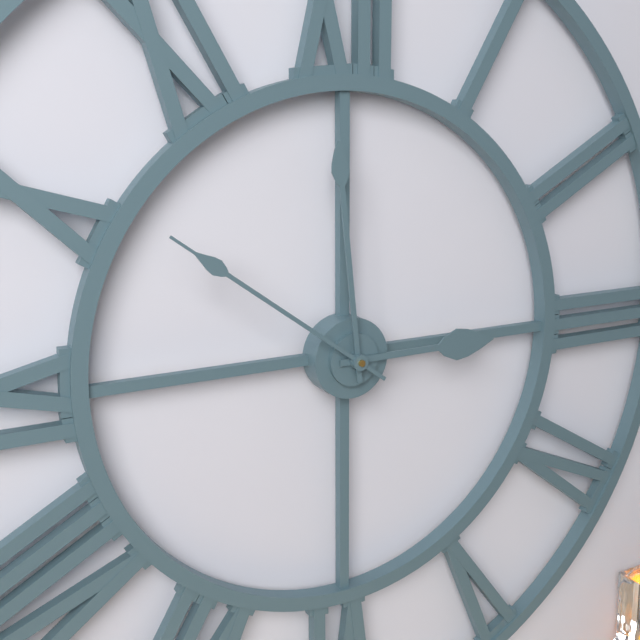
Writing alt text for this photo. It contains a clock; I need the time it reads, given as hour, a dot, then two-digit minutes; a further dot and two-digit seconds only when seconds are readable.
2.59.51
